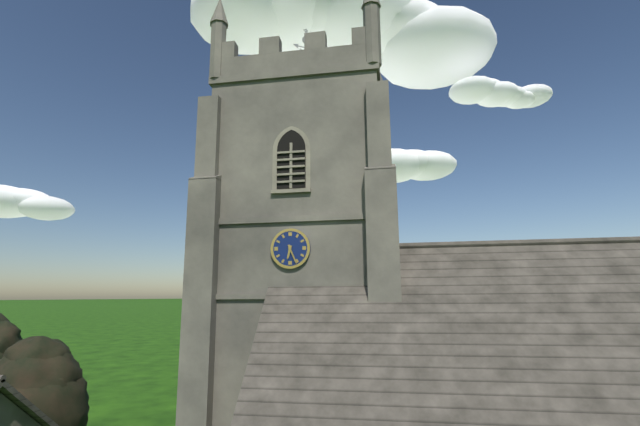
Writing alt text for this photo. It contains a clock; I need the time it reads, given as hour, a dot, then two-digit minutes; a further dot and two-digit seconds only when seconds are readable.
6.26
